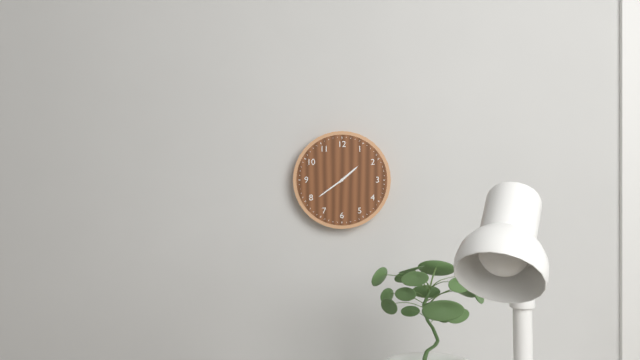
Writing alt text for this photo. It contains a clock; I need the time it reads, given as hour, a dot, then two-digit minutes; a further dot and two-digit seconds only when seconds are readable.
1.39
